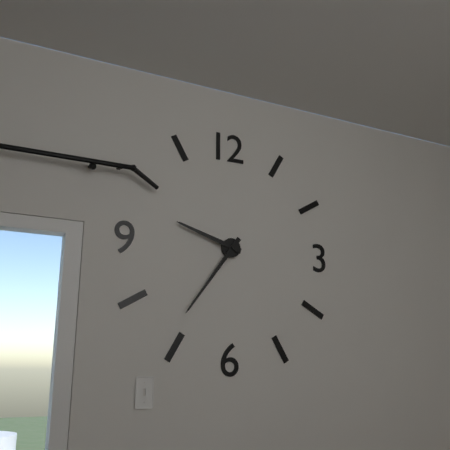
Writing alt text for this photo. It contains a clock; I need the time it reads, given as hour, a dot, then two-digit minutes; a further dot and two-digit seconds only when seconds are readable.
9.36
